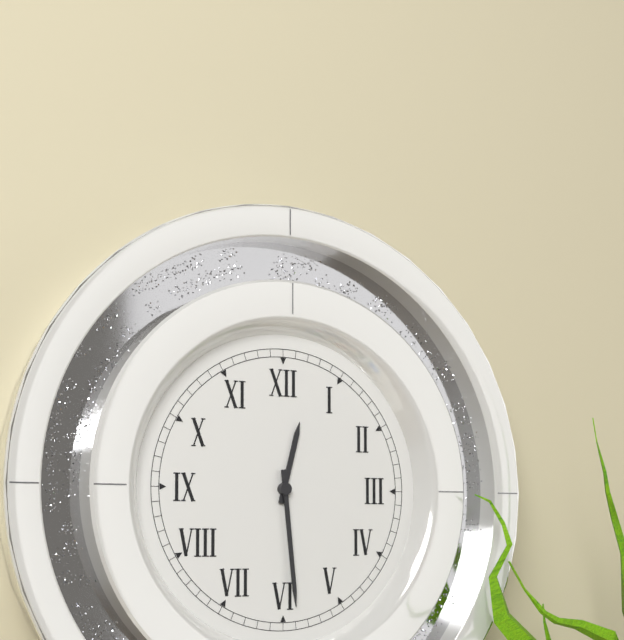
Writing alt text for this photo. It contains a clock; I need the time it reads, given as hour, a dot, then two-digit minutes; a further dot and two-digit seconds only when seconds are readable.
12.29
